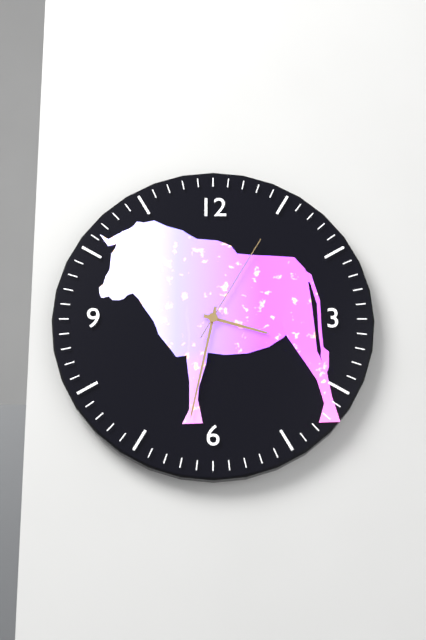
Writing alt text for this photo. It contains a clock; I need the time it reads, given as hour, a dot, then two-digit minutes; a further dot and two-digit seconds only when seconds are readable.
3.32.05
